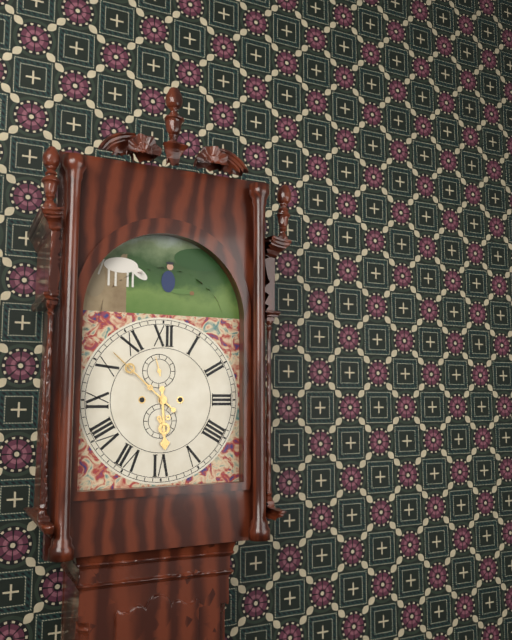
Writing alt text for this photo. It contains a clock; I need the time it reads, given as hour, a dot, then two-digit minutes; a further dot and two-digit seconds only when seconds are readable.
5.52
